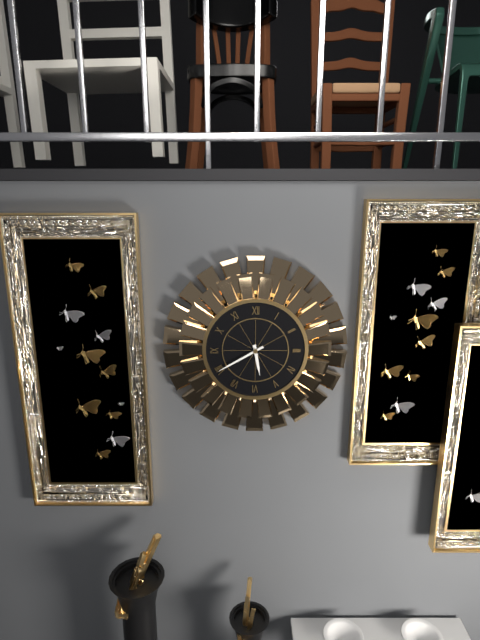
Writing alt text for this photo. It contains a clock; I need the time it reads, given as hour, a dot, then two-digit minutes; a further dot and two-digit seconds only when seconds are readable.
5.40
